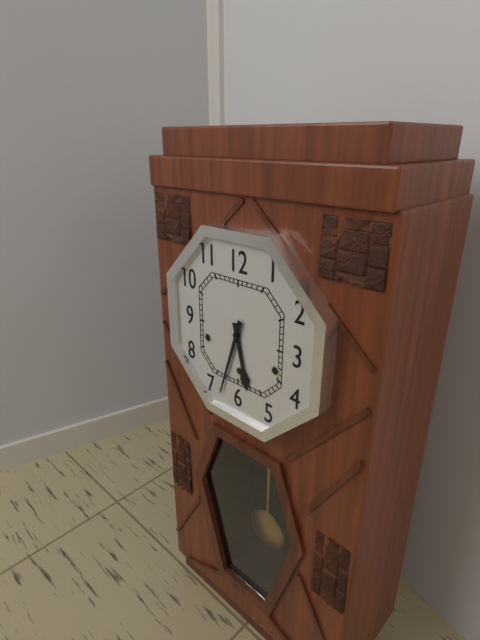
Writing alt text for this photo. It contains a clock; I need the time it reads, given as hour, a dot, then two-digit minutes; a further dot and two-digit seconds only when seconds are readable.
5.33
